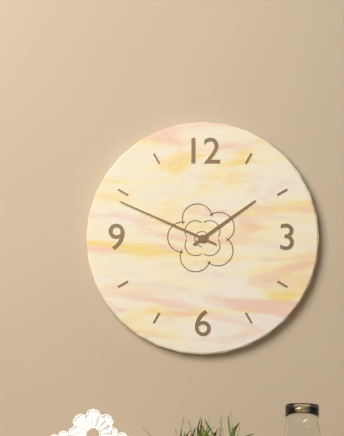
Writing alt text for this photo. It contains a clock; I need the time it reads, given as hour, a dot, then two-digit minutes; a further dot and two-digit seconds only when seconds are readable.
1.49
